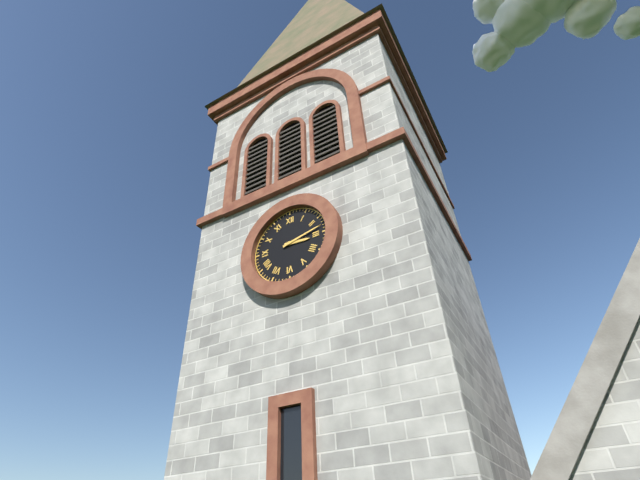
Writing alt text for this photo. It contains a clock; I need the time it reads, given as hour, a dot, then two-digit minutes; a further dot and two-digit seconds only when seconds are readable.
3.13
